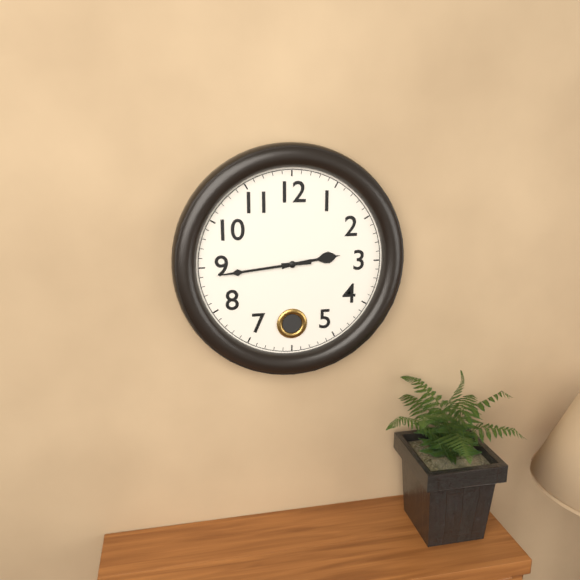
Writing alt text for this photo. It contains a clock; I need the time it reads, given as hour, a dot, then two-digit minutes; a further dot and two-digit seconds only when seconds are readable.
2.44
